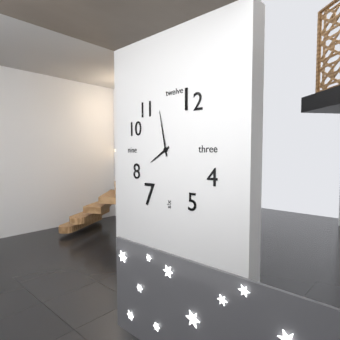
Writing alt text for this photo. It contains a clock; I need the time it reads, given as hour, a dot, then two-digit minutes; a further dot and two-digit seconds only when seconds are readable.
7.58
